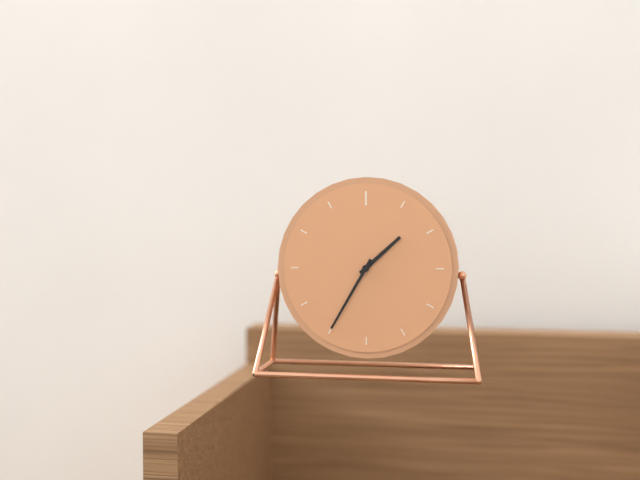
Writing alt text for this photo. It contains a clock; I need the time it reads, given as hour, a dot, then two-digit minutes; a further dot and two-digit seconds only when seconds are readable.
1.35
